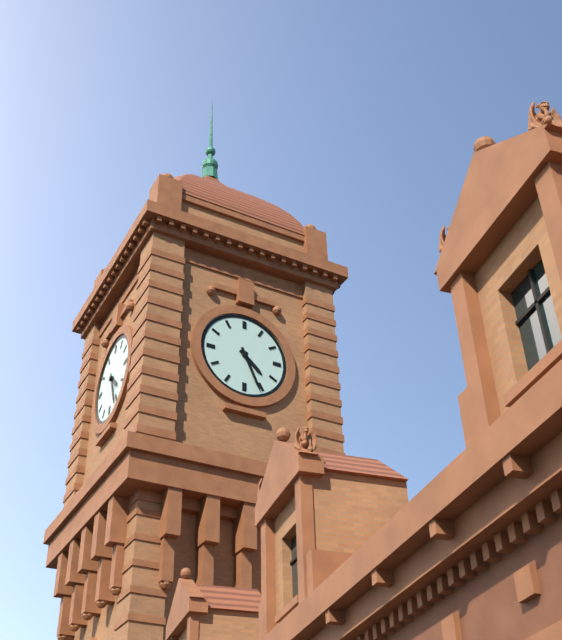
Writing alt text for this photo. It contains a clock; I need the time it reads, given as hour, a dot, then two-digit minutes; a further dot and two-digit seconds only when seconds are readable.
4.26
